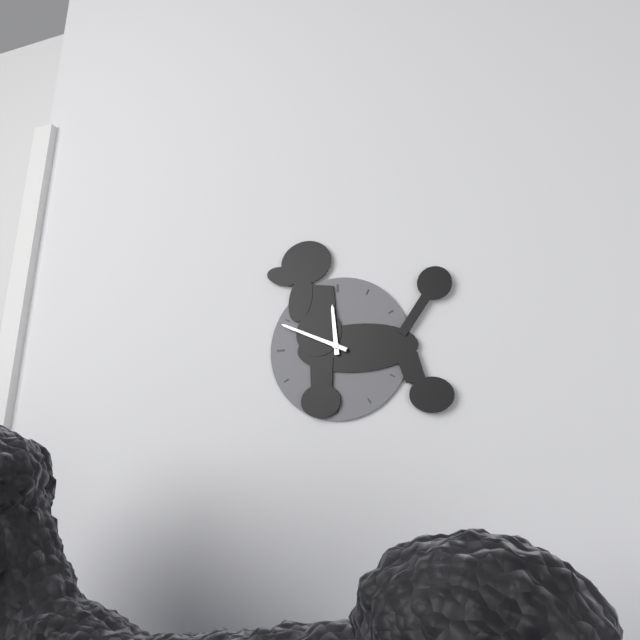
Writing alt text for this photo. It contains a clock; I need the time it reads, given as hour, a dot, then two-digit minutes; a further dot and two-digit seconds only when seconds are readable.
11.49
